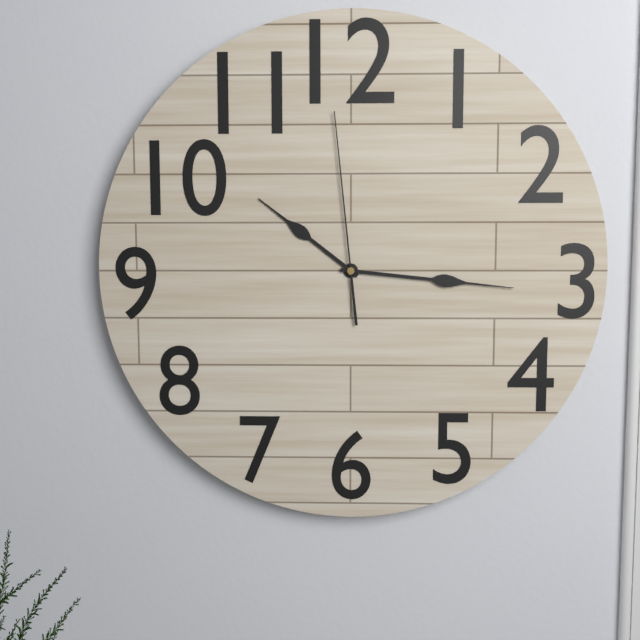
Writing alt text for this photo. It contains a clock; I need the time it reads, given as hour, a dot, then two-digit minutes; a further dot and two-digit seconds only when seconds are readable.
10.16.59
